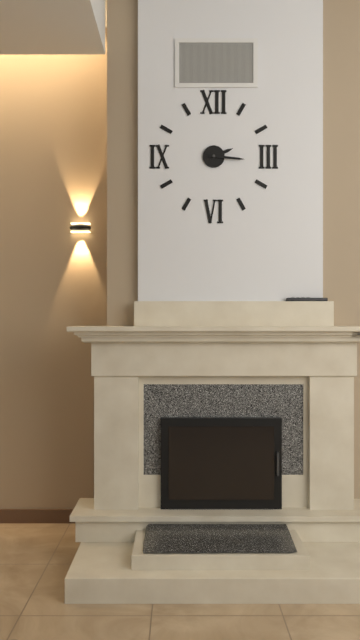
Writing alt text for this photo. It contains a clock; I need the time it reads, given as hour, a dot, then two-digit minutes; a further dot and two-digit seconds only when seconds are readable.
2.16
